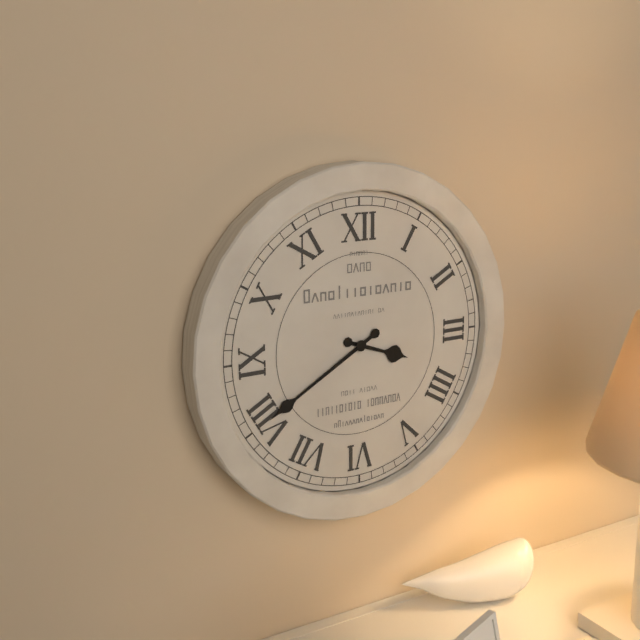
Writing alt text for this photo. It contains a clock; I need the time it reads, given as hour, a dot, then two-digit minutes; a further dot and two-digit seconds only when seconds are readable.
3.40
